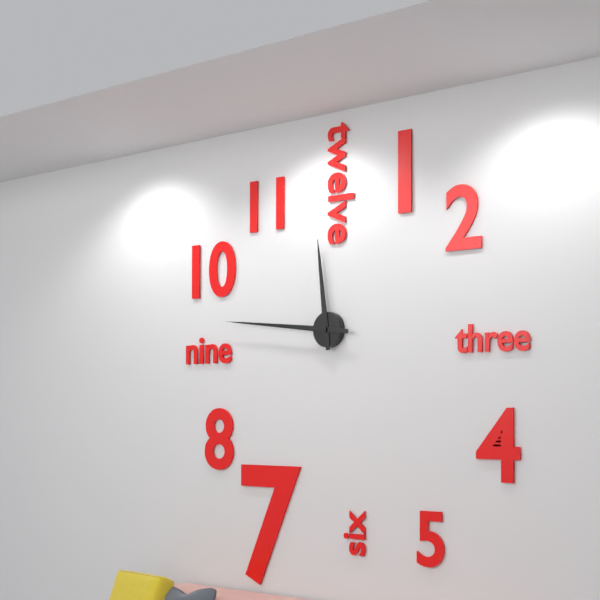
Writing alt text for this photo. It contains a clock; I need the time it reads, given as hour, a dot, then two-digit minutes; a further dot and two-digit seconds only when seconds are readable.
11.46
